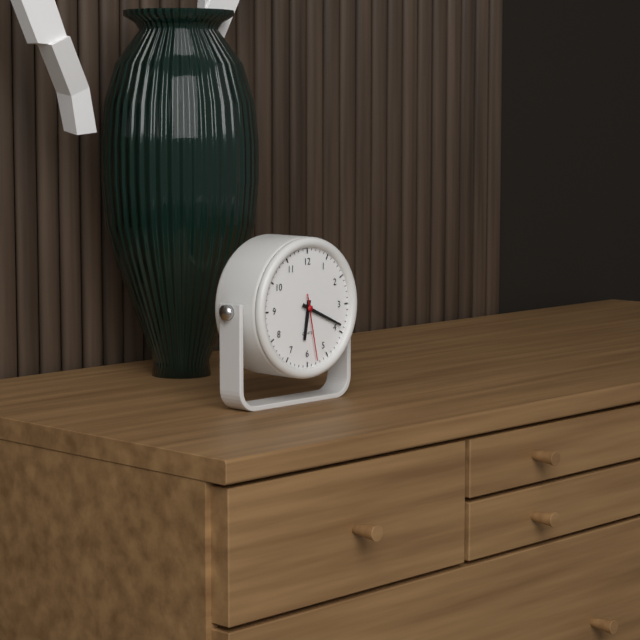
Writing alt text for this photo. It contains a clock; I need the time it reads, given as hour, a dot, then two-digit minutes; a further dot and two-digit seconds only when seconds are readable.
6.19.28
